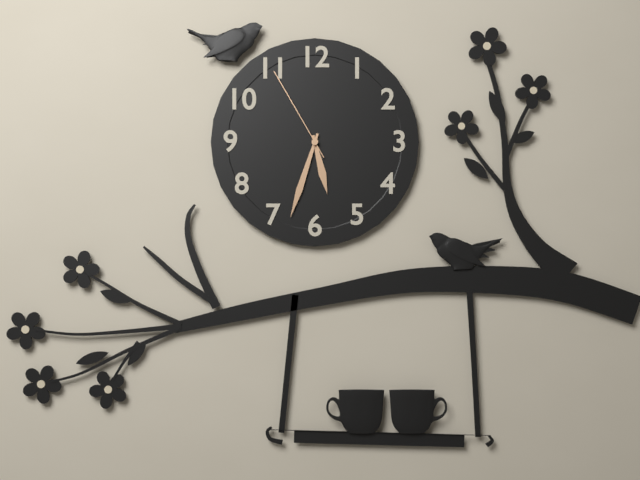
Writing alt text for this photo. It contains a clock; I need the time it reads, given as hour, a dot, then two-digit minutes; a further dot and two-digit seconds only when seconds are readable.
5.33.55
